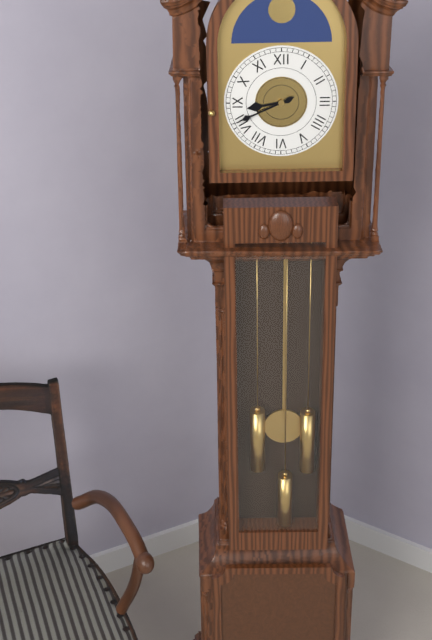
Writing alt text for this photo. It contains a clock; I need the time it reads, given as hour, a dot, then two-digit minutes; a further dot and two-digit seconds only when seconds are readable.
8.41
